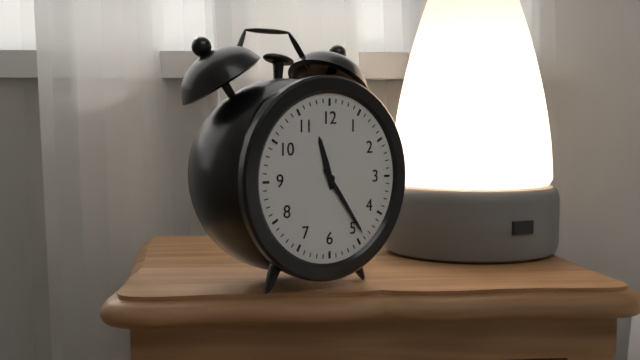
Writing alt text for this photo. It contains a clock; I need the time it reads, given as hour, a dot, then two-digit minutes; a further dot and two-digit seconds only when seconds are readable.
11.24
